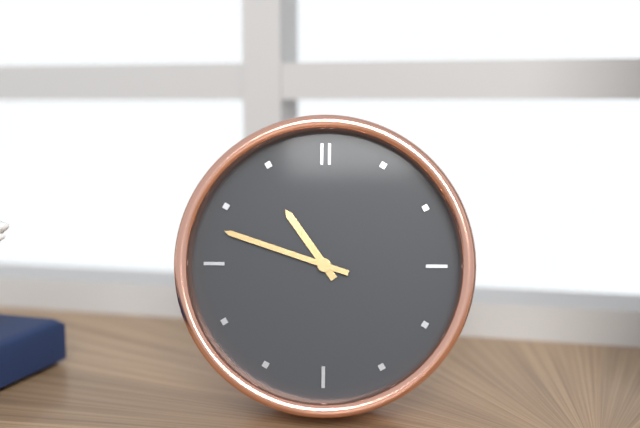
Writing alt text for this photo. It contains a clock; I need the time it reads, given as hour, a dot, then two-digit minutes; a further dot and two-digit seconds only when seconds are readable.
10.48
